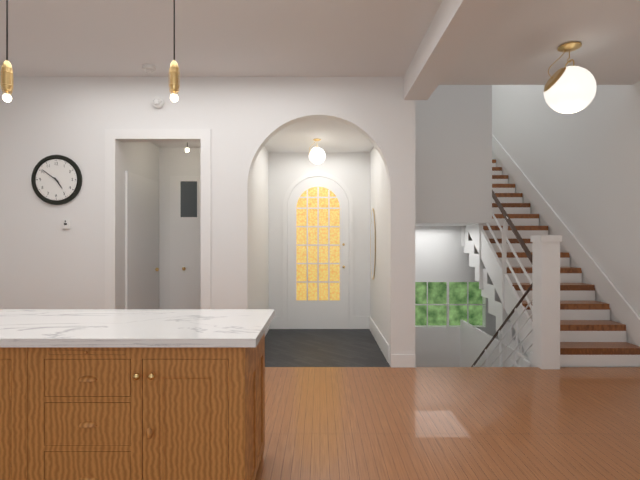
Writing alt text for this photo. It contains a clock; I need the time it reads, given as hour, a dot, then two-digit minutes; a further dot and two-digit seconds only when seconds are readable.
4.51
